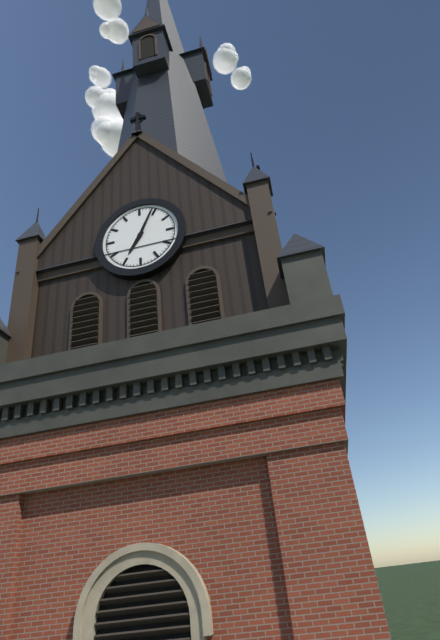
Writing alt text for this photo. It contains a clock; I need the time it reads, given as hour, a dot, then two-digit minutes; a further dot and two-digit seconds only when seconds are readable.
7.04
